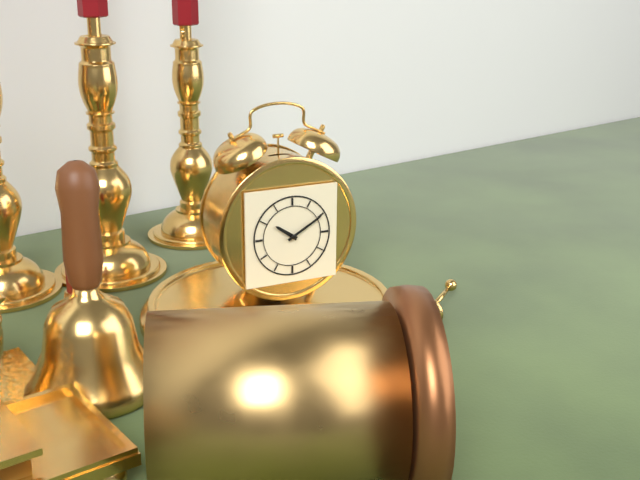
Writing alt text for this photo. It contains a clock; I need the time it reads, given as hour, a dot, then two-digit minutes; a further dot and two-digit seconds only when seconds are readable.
10.10
